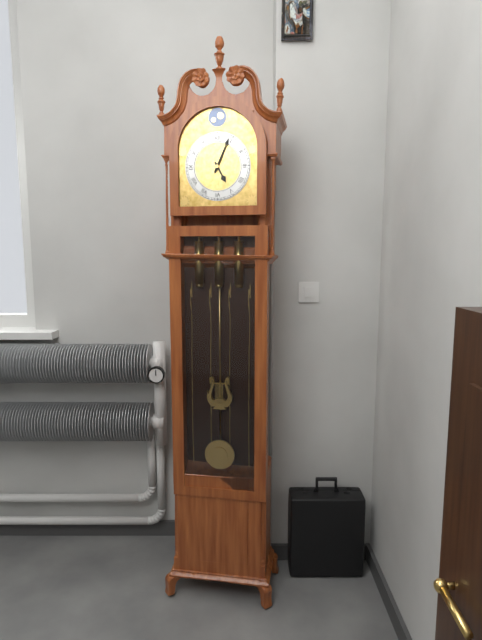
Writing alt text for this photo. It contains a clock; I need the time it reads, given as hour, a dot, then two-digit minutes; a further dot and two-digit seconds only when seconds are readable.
5.04
